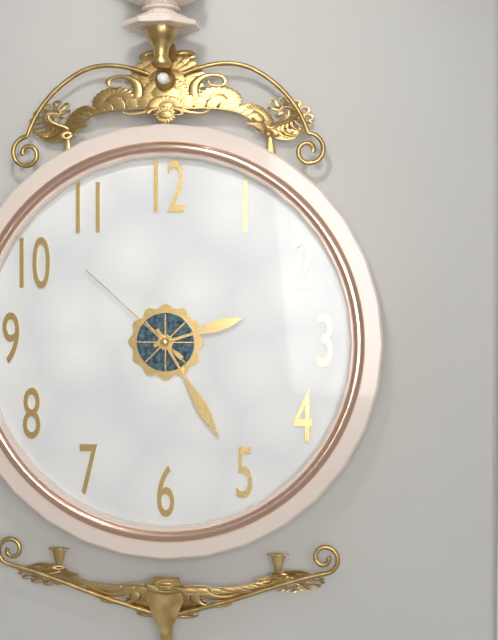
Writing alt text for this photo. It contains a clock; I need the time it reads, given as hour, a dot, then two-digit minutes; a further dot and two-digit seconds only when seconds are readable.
2.25.52
